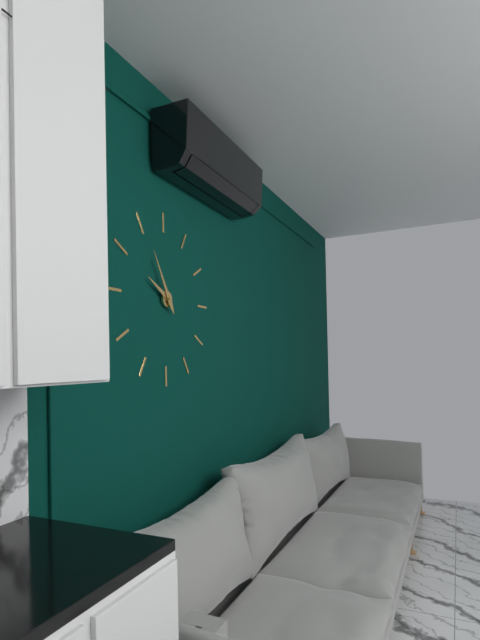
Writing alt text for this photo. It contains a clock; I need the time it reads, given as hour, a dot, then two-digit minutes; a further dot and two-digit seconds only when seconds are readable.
9.55
